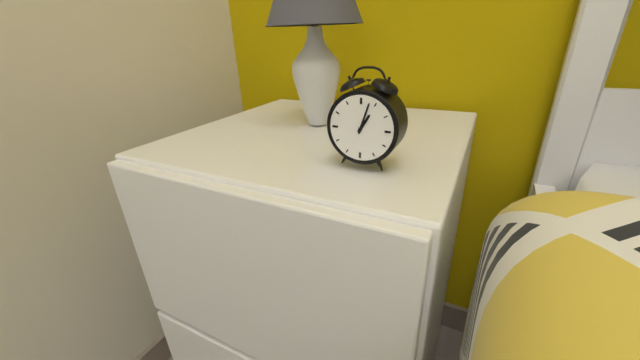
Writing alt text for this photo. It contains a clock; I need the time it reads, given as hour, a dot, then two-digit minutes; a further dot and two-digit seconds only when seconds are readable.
1.03
